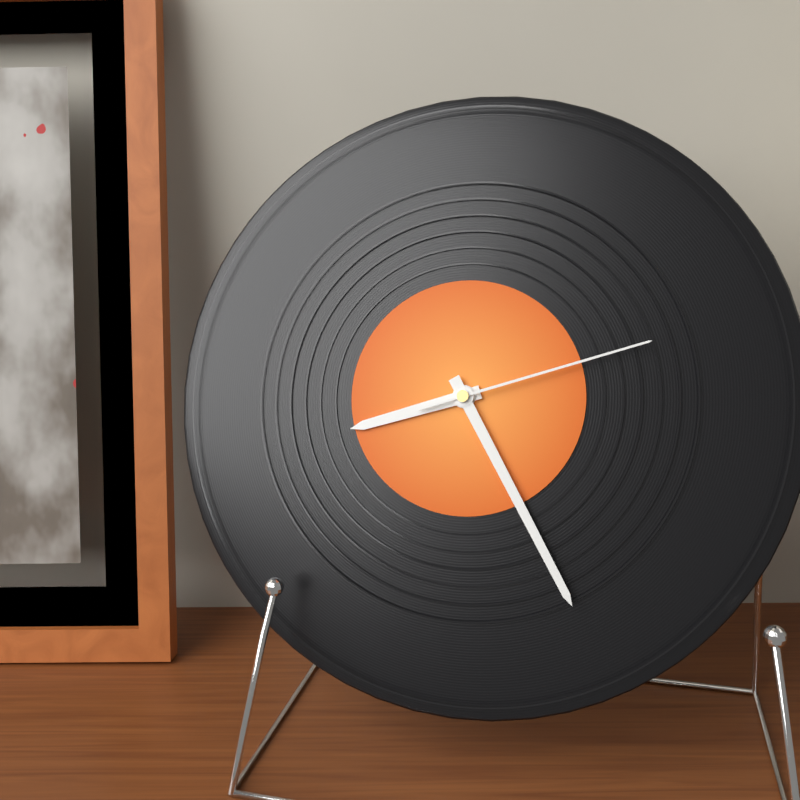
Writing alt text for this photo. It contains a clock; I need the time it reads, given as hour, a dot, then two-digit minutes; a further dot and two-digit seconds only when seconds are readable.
8.25.12
